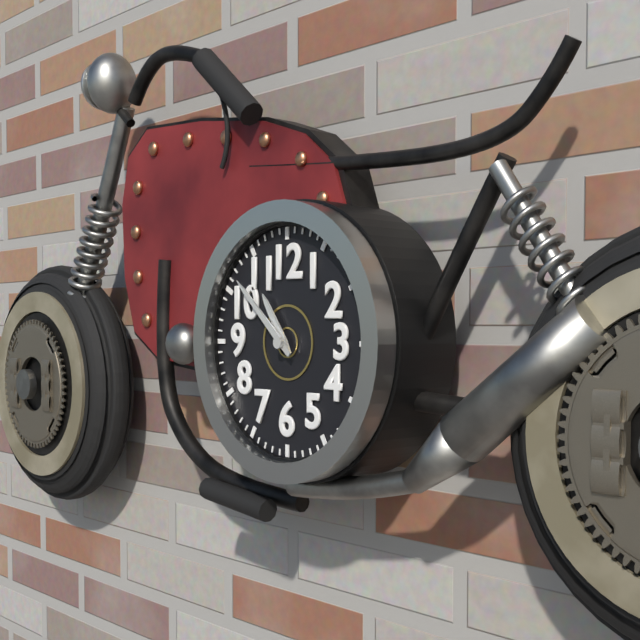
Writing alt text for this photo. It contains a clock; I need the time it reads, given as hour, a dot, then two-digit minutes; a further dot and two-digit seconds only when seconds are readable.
10.52
